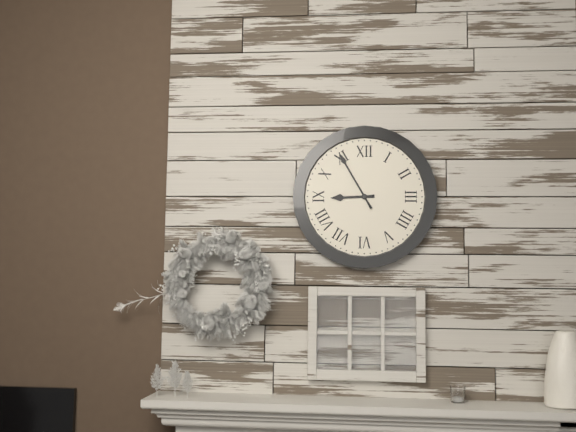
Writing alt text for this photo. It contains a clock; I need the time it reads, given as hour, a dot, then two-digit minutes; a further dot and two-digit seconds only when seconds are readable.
8.55
